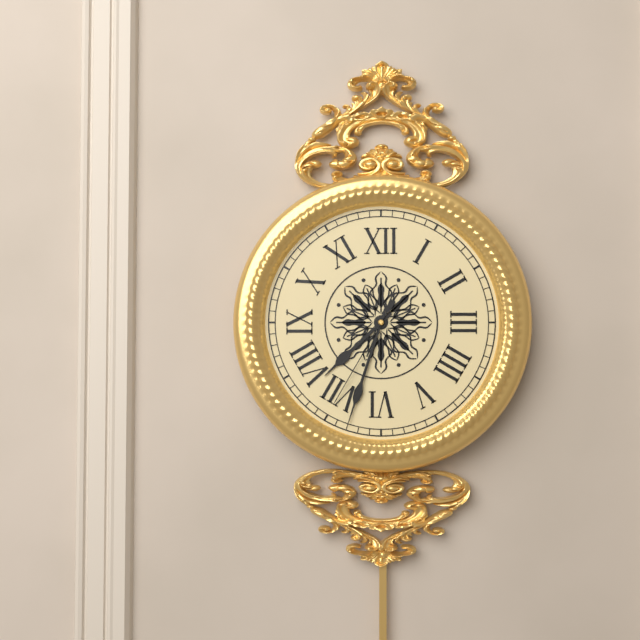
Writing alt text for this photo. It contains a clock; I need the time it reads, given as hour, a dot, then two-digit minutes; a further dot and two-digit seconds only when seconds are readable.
7.33.35
